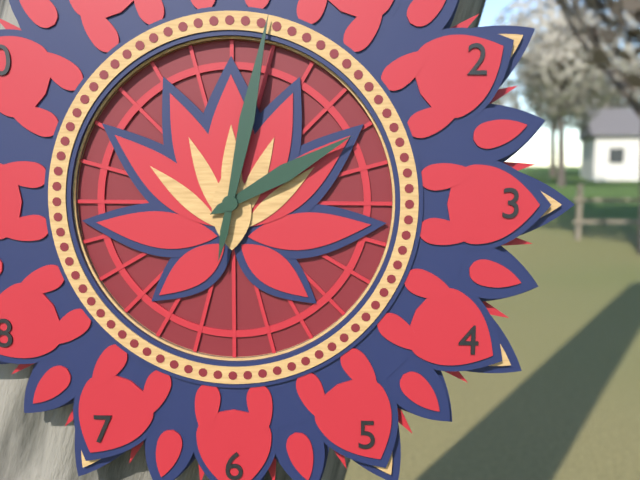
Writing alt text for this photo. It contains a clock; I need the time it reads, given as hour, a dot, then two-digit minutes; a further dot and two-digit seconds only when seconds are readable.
2.02
